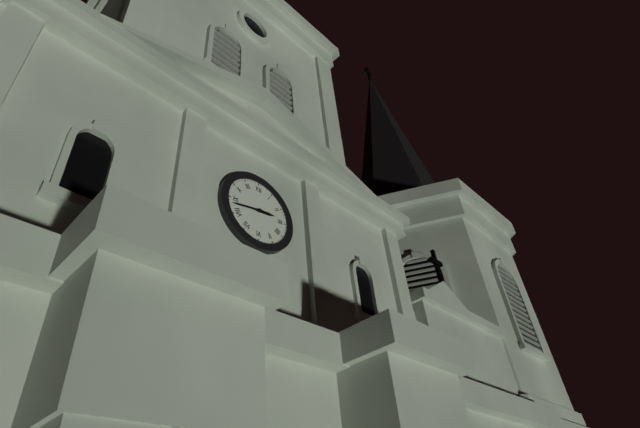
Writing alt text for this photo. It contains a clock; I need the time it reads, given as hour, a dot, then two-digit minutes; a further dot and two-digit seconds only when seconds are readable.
2.43
